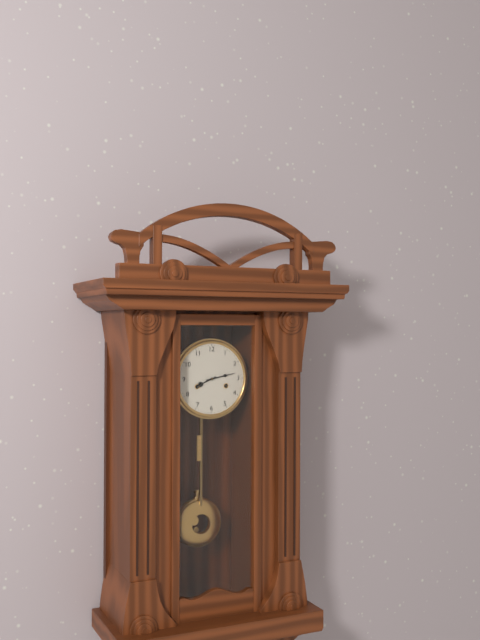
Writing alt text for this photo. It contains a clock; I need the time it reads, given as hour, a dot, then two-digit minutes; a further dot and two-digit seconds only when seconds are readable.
8.13
